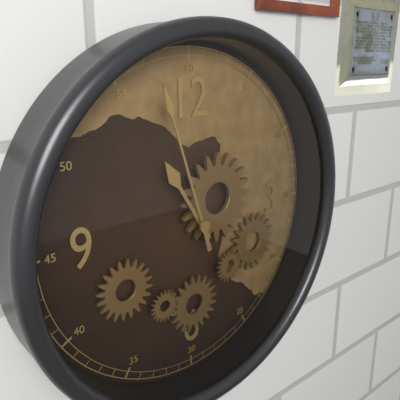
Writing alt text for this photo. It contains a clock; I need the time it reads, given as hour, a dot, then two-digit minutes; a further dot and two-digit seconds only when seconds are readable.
10.57
